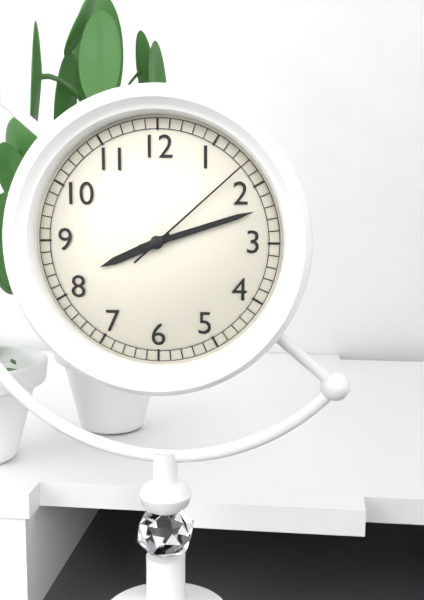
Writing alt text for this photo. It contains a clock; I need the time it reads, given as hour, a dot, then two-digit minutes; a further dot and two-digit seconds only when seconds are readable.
8.12.08
